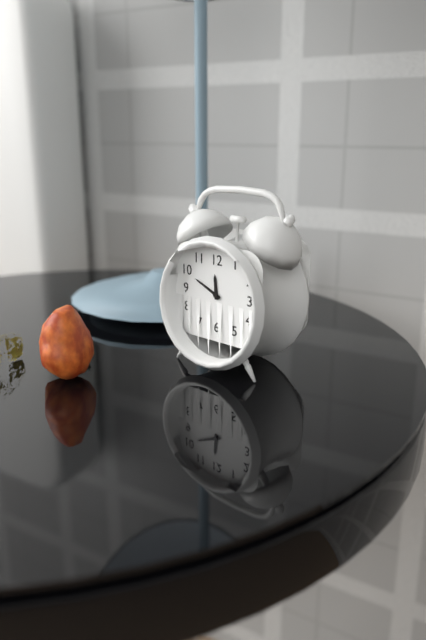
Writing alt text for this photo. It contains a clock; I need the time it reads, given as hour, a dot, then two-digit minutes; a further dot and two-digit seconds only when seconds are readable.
11.49
